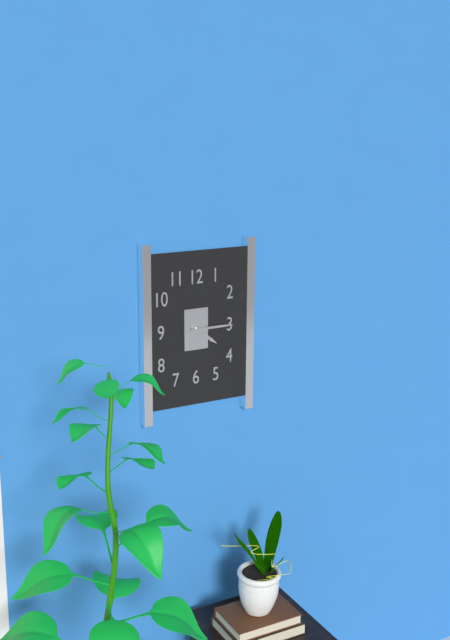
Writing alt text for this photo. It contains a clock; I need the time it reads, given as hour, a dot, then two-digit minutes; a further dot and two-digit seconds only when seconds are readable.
4.15
